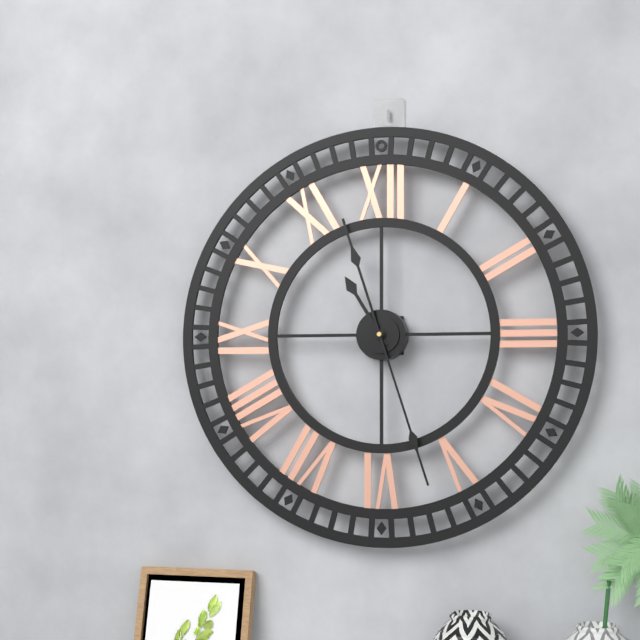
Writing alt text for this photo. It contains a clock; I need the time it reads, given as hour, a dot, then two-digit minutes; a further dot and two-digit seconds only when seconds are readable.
10.57.27
